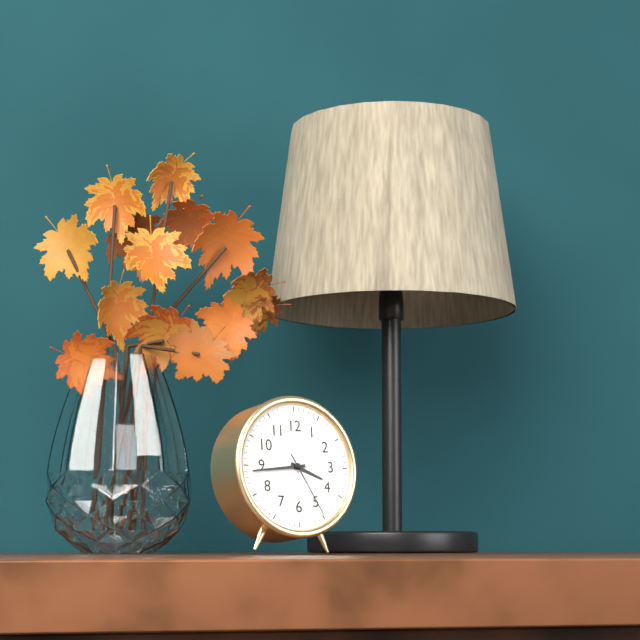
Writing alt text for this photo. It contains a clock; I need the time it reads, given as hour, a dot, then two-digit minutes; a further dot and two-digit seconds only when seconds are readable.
3.44.25
